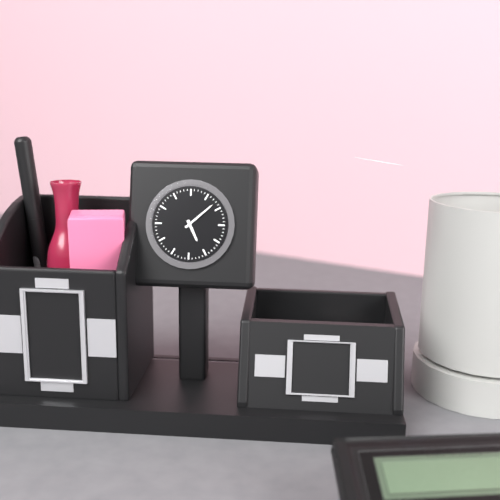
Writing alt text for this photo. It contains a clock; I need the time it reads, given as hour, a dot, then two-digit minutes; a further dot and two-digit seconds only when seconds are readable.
5.08
